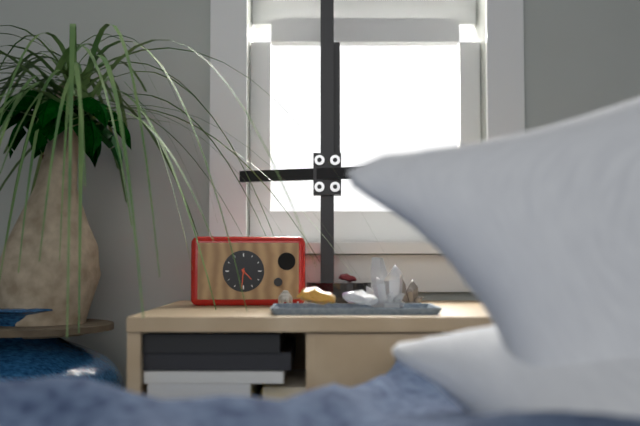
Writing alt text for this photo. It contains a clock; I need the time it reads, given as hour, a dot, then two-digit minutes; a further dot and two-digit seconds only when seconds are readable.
4.31
